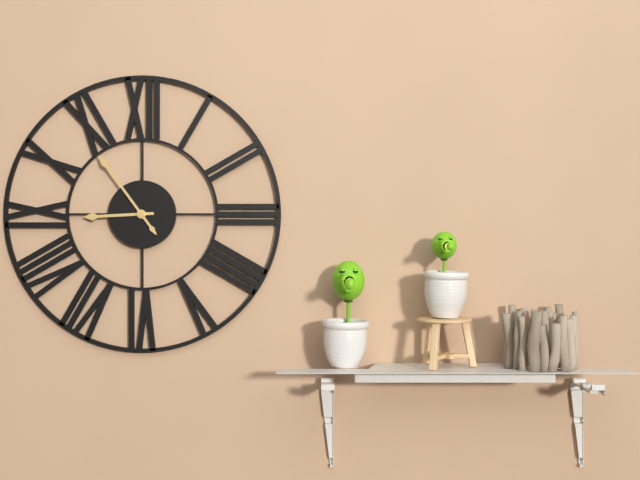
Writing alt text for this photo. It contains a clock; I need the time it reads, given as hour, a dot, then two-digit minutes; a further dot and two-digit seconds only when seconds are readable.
8.54
